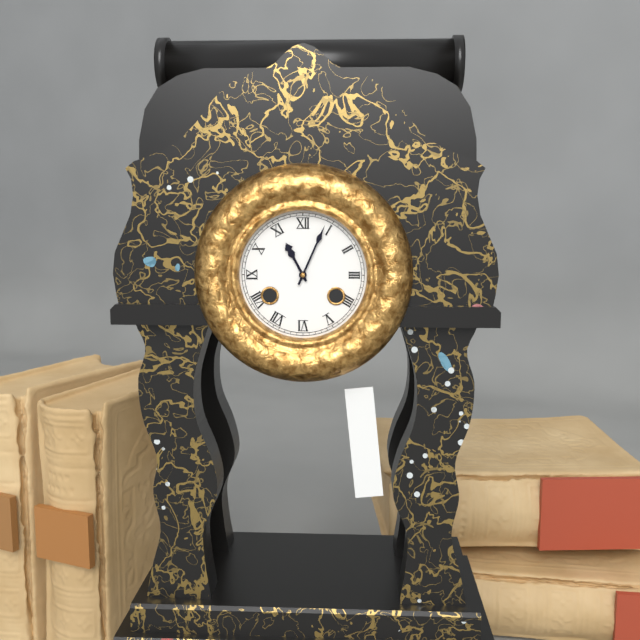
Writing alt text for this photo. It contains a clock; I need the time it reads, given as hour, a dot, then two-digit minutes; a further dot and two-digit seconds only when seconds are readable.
11.04
